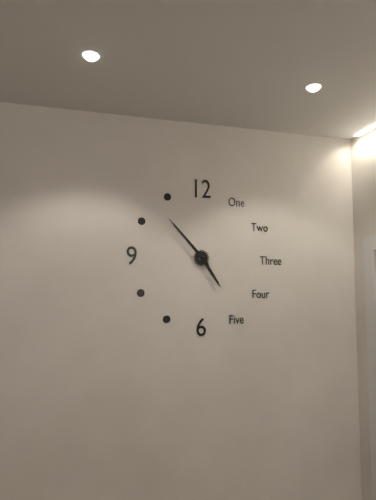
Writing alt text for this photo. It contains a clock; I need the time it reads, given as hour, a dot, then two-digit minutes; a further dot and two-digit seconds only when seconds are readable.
4.53
